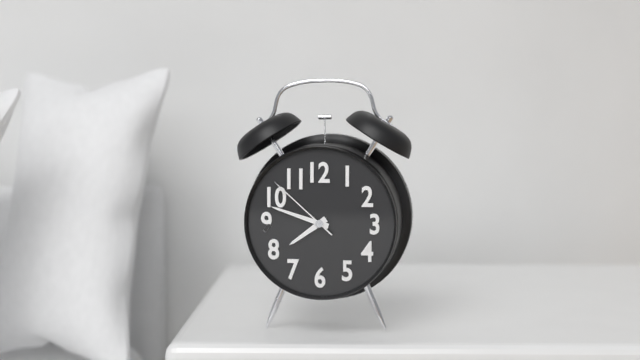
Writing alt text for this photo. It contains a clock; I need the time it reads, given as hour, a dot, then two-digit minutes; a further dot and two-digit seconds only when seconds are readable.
7.48.52
